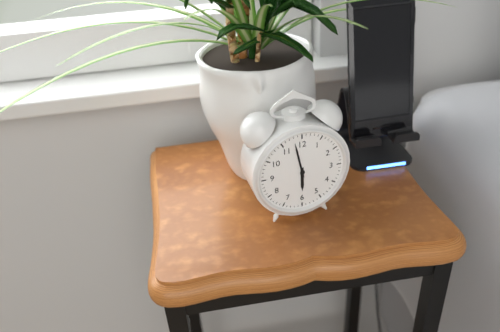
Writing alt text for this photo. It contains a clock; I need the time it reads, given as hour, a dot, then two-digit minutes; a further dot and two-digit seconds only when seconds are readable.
5.58
